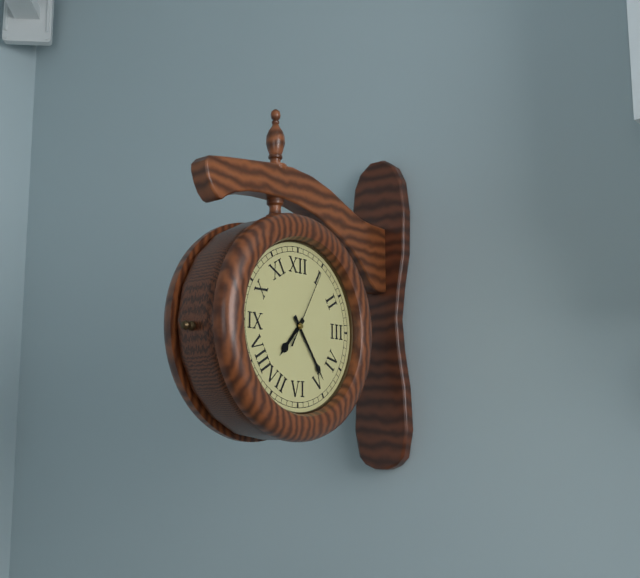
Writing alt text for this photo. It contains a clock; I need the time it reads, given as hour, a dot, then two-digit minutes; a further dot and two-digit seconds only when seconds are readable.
7.24.05
